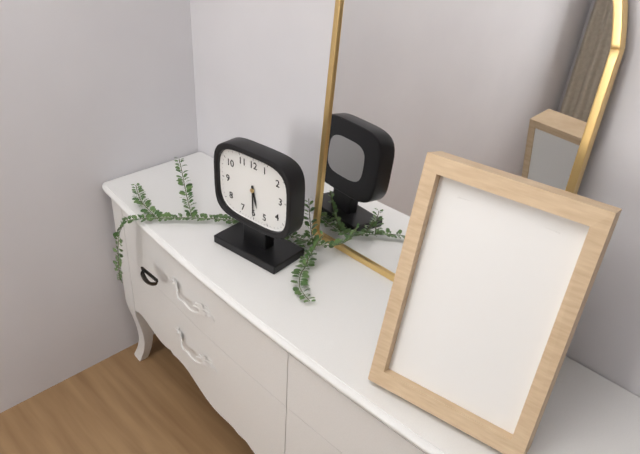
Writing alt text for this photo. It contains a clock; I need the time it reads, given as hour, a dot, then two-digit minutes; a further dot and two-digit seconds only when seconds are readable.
5.30
